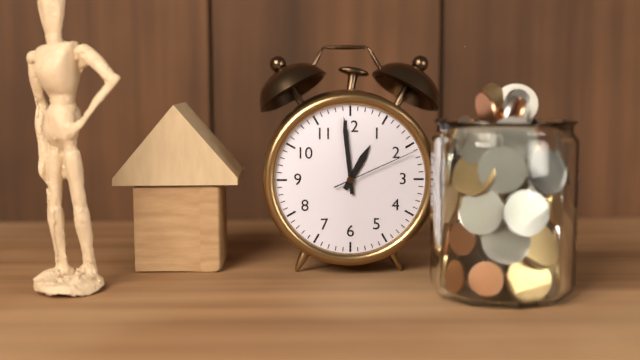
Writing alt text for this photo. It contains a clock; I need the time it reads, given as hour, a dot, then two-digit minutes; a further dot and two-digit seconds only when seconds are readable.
12.59.11
